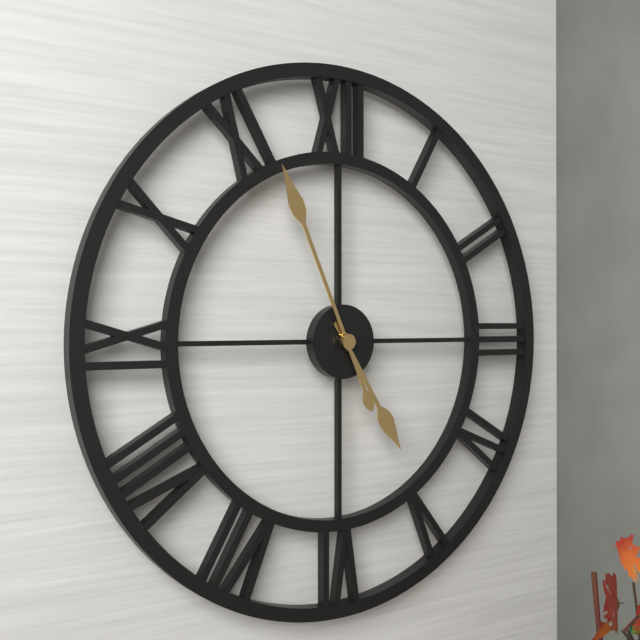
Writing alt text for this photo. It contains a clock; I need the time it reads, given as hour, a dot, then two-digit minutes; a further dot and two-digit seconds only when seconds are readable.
4.56
